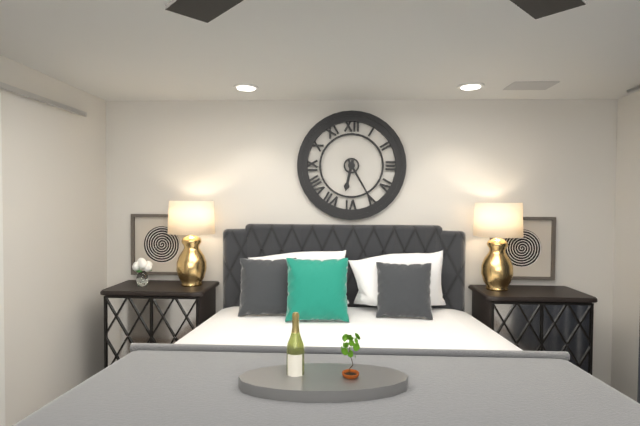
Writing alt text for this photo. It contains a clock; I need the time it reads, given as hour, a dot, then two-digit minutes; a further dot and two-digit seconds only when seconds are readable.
6.25
